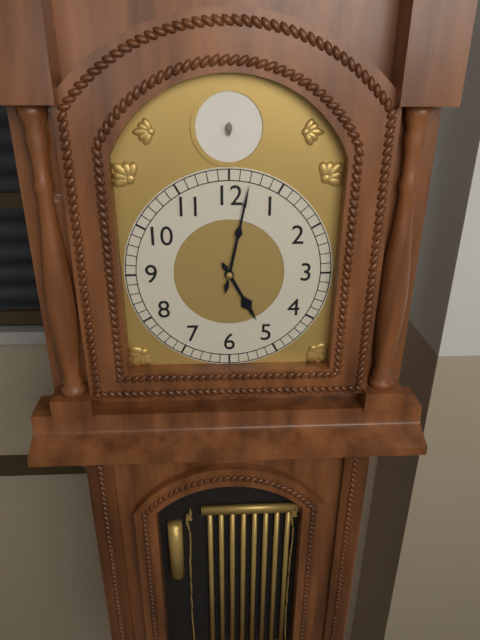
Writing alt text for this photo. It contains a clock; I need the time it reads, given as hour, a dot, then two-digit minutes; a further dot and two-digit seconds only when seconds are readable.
5.02
